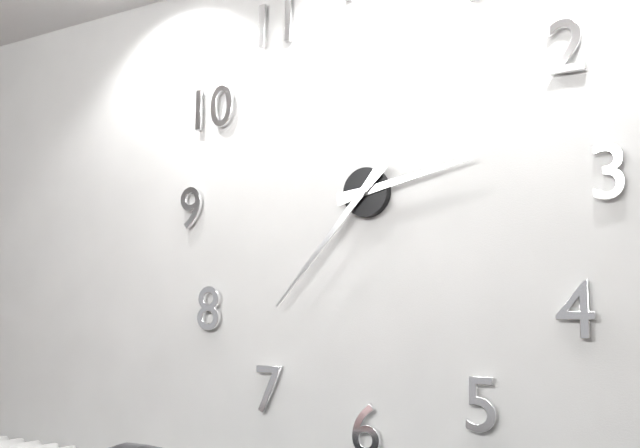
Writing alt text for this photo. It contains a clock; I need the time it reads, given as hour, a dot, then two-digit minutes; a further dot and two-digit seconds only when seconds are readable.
2.37
